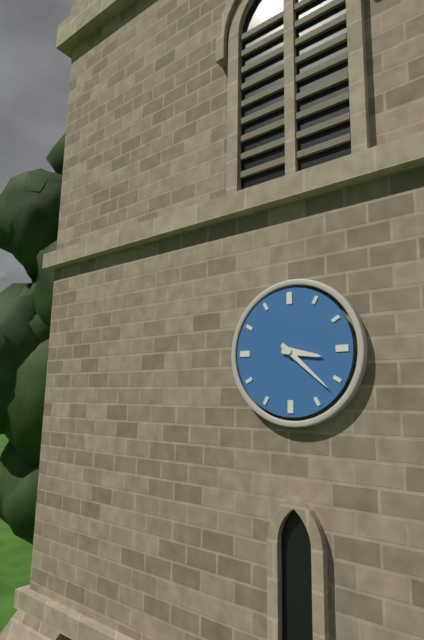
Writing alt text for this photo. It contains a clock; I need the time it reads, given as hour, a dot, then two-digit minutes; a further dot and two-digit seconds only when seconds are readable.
3.22
